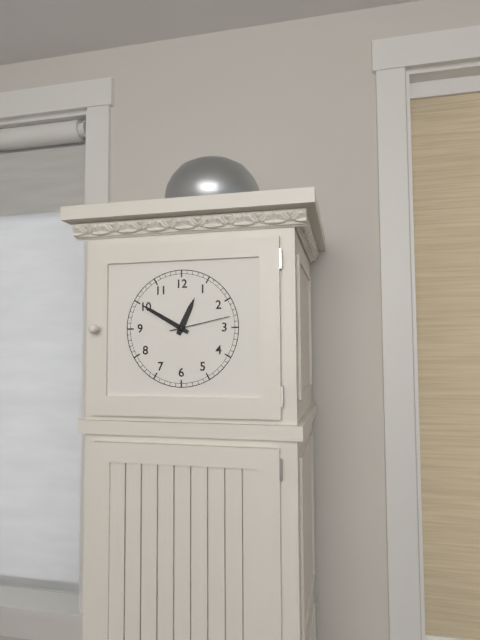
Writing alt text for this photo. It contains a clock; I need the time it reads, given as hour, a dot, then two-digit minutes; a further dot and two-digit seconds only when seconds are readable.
12.50.13
